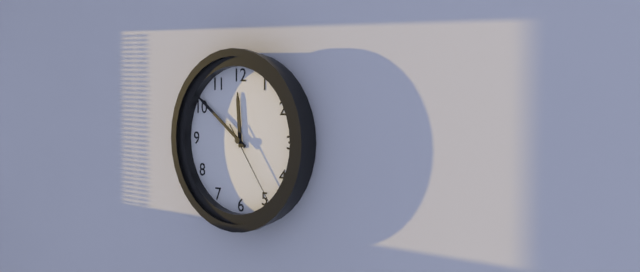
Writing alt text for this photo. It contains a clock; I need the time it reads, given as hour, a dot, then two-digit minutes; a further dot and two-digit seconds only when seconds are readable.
11.51.24
